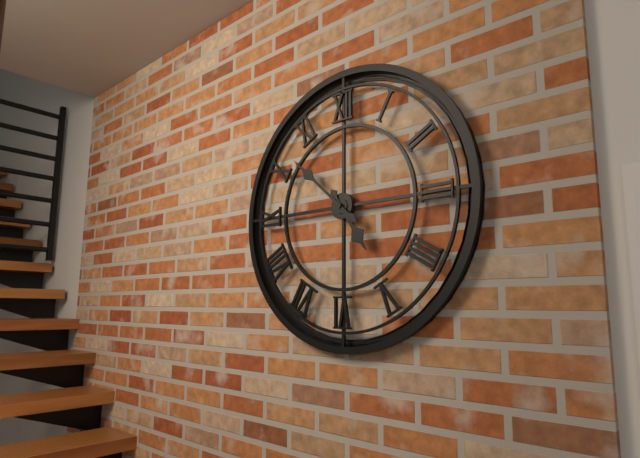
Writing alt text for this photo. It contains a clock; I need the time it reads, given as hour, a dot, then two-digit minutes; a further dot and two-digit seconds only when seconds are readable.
4.52
